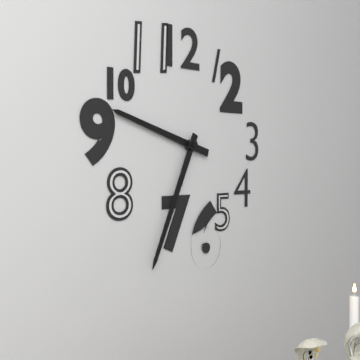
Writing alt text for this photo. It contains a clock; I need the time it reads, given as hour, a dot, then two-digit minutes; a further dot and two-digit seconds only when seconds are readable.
9.34
